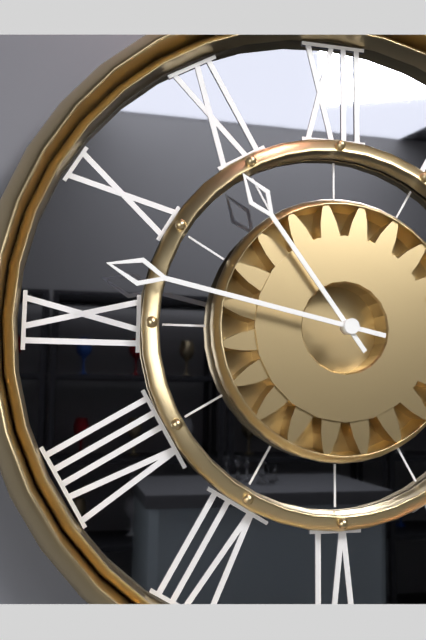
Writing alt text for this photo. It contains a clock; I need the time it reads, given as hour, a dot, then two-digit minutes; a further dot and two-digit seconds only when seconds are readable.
10.47
